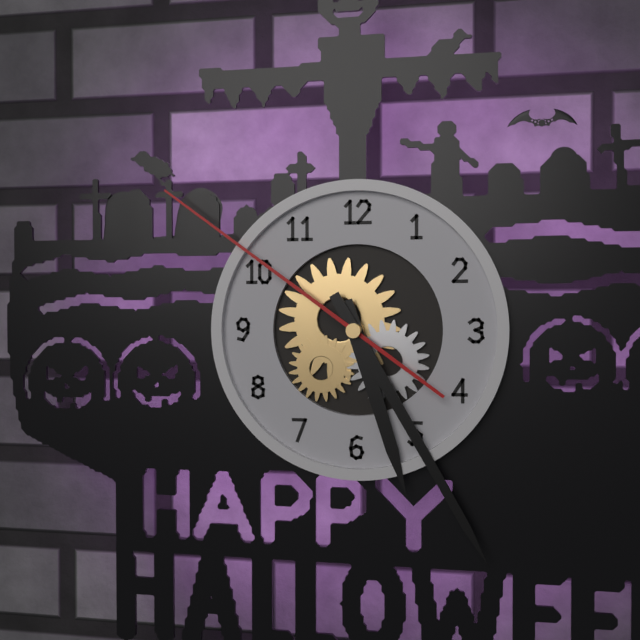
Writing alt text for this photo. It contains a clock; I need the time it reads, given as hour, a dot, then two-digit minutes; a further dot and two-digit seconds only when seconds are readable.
5.25.51
